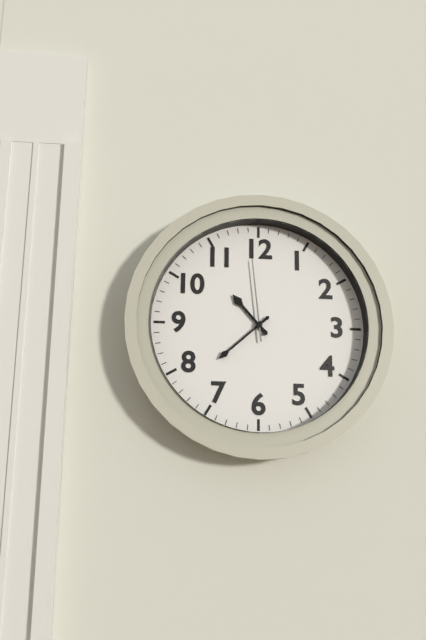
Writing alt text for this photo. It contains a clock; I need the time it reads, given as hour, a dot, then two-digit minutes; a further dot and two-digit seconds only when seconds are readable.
10.38.59
